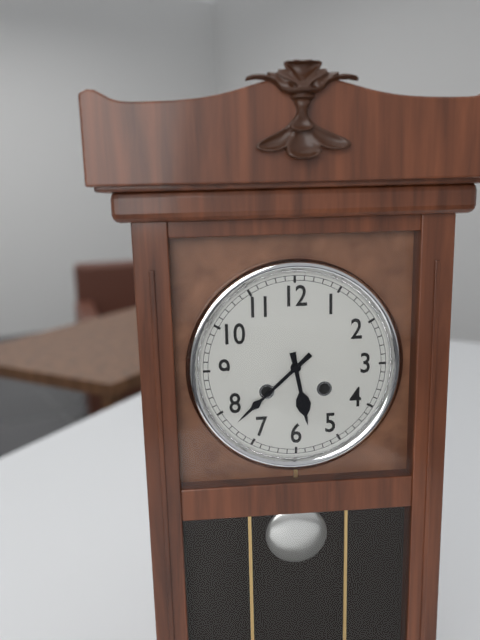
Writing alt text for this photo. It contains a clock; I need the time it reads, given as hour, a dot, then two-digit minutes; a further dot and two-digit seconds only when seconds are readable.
5.38
